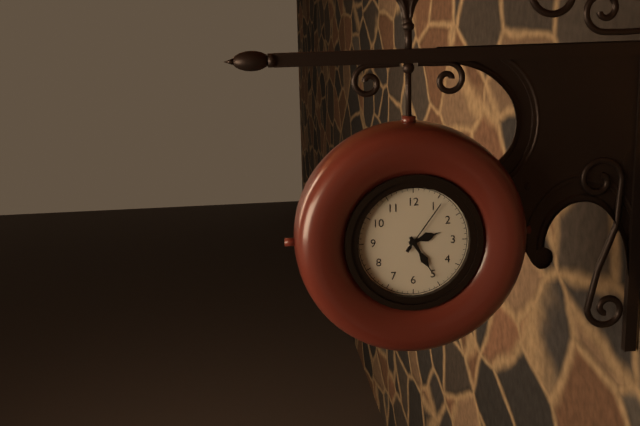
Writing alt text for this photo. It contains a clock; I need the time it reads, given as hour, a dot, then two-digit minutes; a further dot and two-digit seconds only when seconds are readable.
2.25.06
